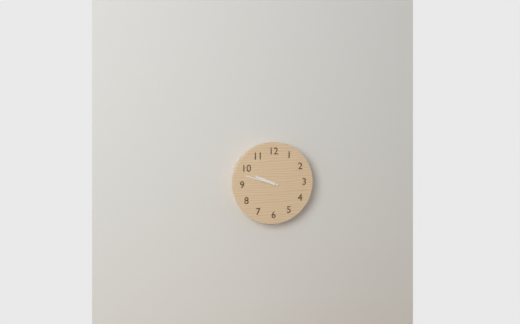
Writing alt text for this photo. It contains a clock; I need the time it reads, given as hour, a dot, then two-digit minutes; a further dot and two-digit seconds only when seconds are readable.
9.48
